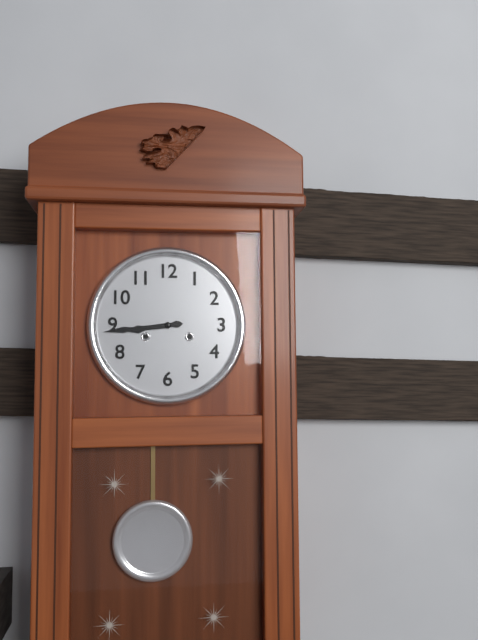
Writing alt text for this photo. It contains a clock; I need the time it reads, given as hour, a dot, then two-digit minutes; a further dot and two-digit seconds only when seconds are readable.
8.44
